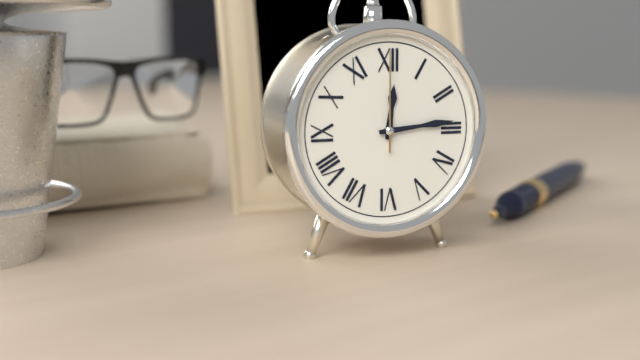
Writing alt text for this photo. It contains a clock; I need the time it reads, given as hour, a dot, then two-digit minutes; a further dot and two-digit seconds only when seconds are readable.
12.14.00
